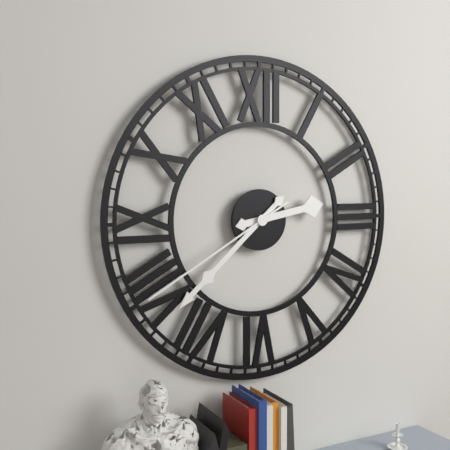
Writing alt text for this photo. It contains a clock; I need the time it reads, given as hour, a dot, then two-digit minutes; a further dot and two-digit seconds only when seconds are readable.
2.38.40
